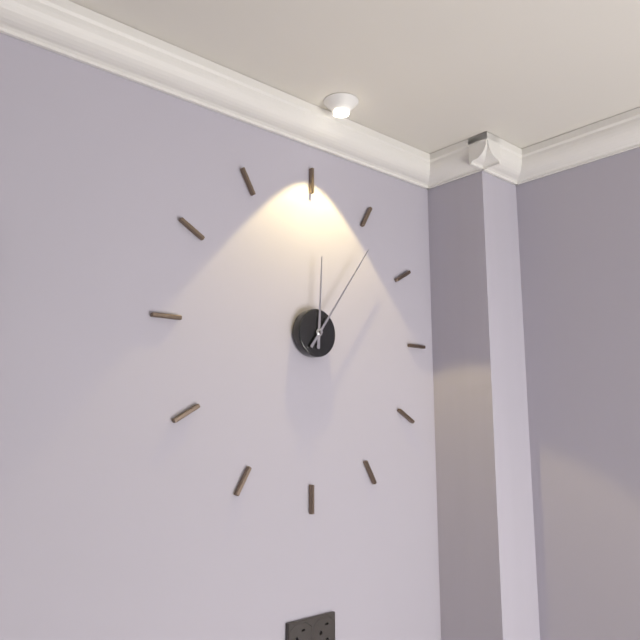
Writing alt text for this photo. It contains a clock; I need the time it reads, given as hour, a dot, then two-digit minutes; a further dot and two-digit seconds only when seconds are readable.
12.06
